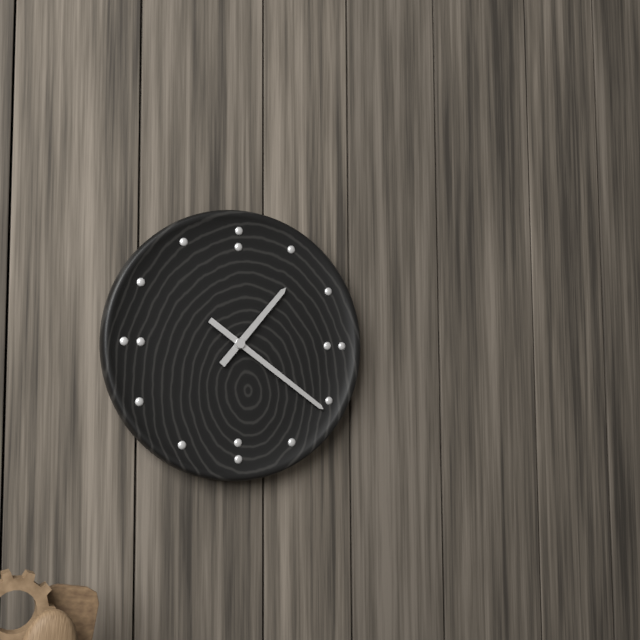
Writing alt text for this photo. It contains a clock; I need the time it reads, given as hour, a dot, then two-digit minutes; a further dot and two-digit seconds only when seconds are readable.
1.21
